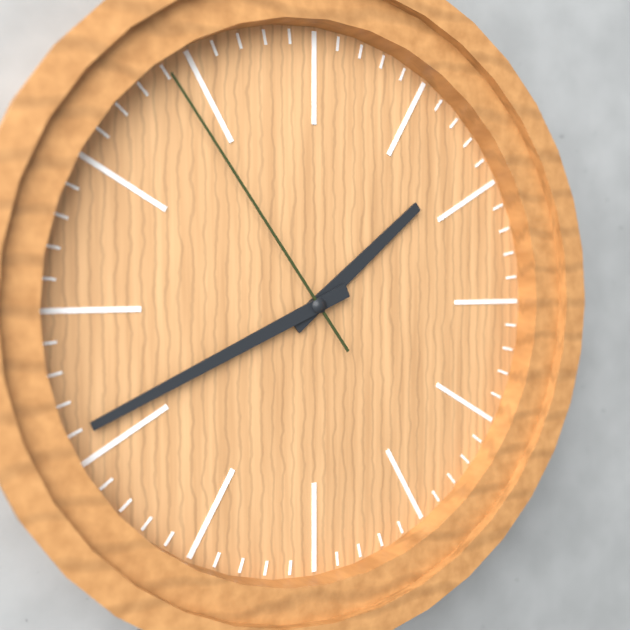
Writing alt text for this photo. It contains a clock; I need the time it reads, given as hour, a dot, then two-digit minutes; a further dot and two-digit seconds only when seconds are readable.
1.41.54
